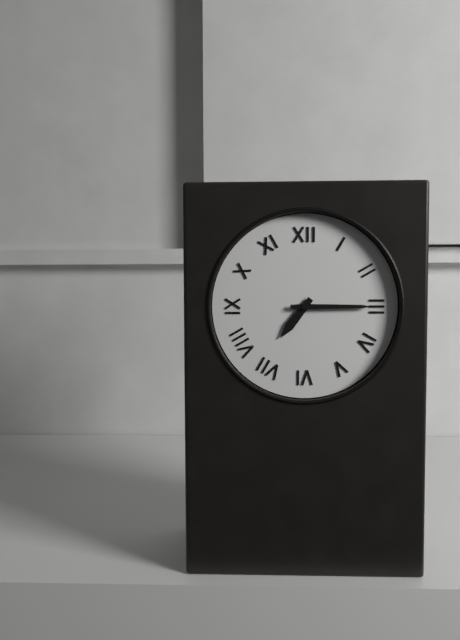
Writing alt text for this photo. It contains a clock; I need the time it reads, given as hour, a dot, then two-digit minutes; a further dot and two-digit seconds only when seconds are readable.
7.15
